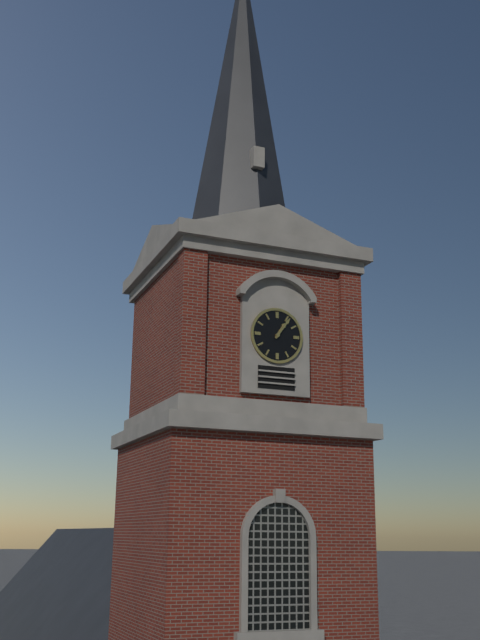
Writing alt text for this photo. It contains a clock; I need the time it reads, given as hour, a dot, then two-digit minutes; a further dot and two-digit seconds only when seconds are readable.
1.06
